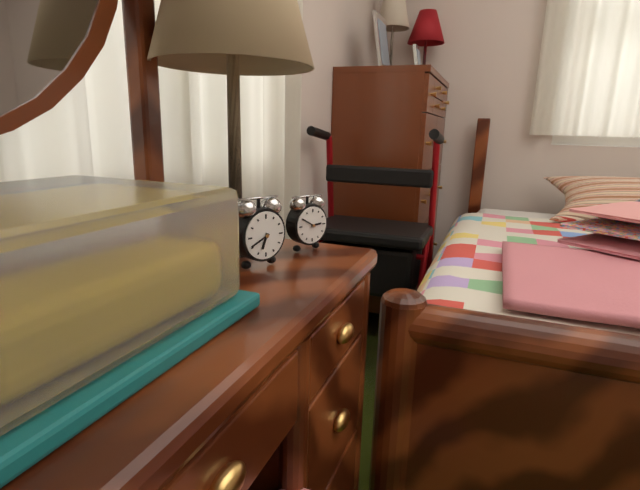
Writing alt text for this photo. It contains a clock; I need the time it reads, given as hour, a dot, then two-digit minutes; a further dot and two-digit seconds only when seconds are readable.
6.41
